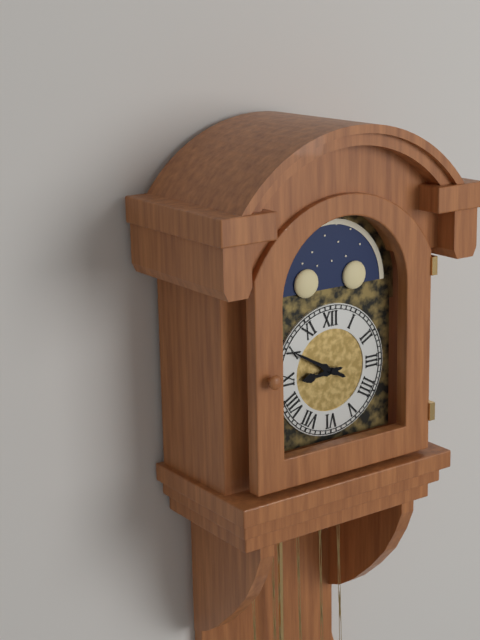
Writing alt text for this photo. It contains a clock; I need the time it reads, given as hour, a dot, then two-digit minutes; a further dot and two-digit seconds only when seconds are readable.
8.50
